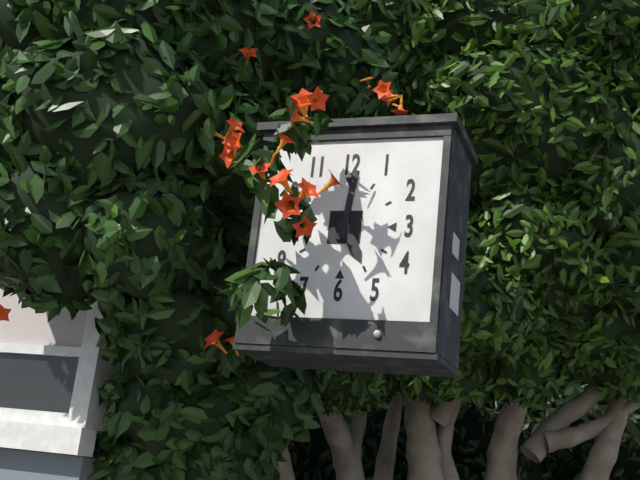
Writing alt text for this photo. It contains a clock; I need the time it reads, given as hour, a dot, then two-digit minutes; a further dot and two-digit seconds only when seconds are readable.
5.01
